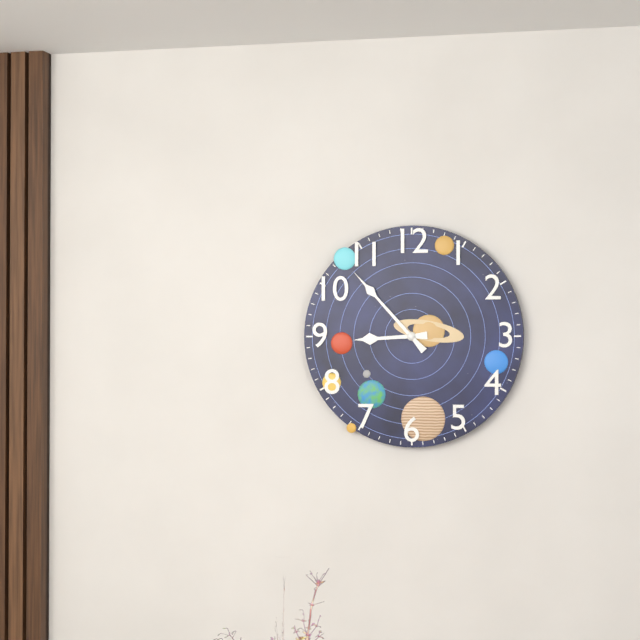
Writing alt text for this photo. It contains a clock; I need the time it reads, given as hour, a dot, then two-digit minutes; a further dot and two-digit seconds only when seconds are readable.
8.53
